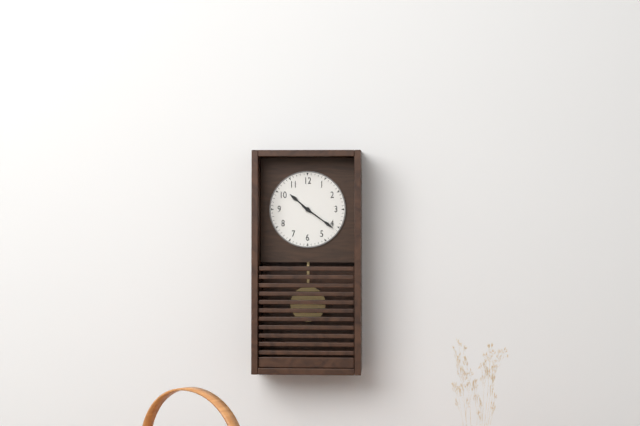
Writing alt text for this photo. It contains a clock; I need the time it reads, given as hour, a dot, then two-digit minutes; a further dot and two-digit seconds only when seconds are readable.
10.21
